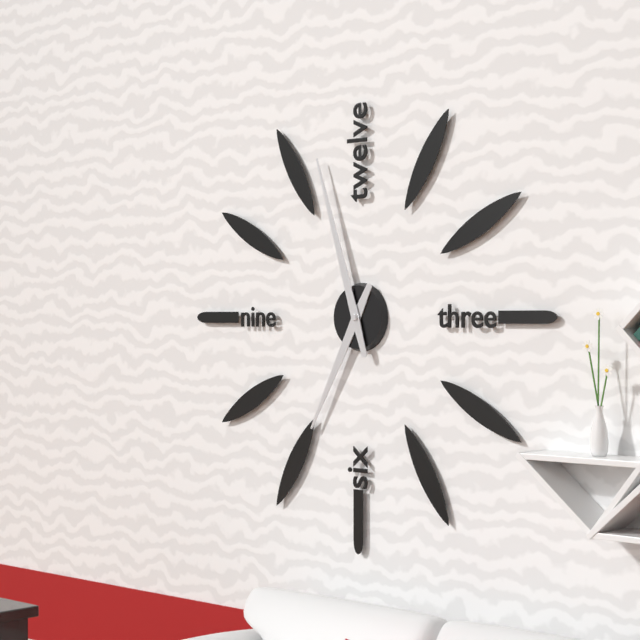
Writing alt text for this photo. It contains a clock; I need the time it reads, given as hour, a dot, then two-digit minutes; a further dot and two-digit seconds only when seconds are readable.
6.57
